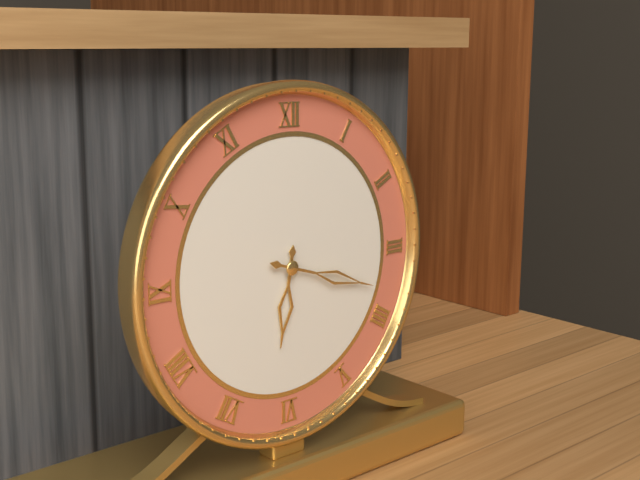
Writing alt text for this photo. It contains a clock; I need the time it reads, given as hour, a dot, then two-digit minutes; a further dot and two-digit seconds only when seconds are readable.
6.18
